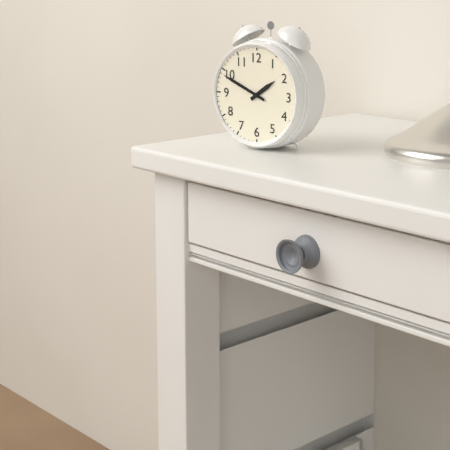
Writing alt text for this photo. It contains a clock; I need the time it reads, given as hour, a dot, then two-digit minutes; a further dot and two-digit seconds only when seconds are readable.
1.49
